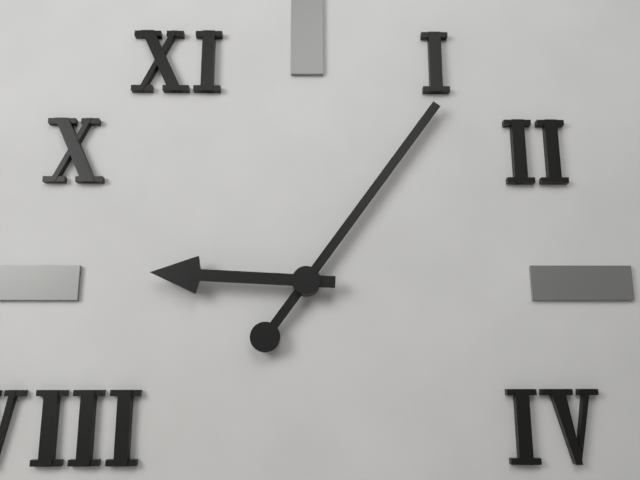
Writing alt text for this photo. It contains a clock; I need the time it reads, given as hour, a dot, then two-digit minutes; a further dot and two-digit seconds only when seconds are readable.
9.06
